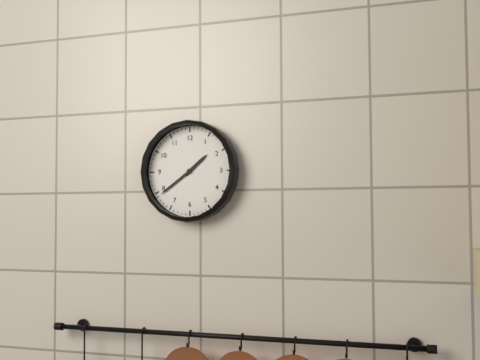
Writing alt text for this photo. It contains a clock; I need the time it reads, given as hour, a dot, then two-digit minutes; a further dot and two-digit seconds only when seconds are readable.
1.39
